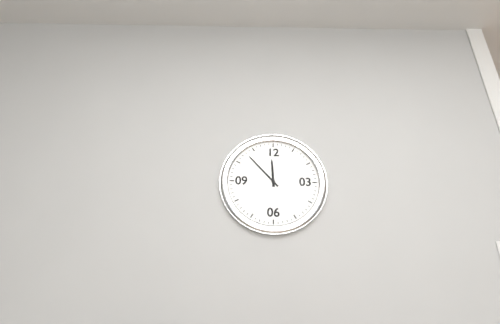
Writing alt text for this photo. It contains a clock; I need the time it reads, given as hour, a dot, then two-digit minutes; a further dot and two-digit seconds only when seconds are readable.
11.53
